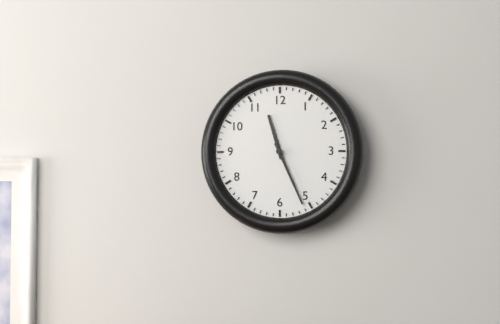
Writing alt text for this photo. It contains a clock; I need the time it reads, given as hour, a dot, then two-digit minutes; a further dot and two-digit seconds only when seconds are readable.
11.26
